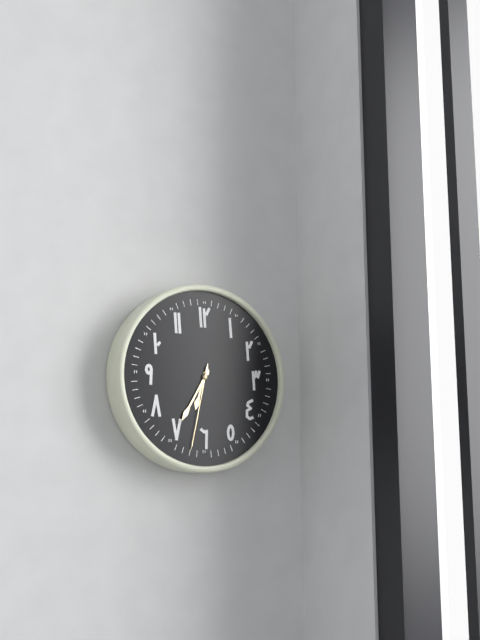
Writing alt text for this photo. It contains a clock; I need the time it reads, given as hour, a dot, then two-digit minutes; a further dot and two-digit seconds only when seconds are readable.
6.35.32
